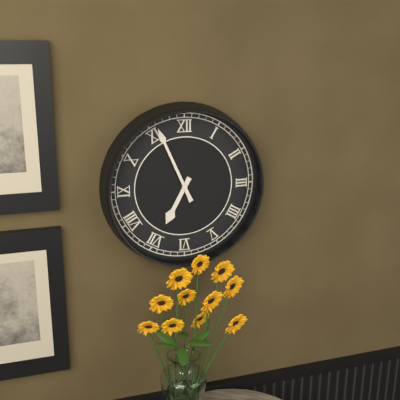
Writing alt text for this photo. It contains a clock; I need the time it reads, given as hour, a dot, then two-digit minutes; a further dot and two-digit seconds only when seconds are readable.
6.56
